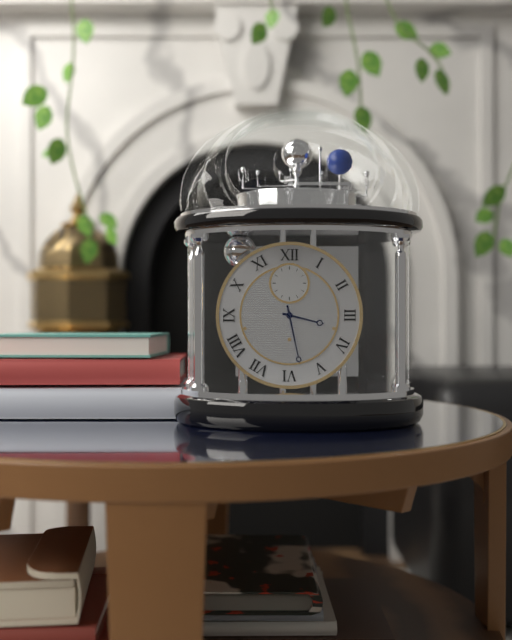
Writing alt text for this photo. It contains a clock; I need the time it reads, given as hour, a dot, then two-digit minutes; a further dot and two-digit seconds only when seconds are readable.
3.28
